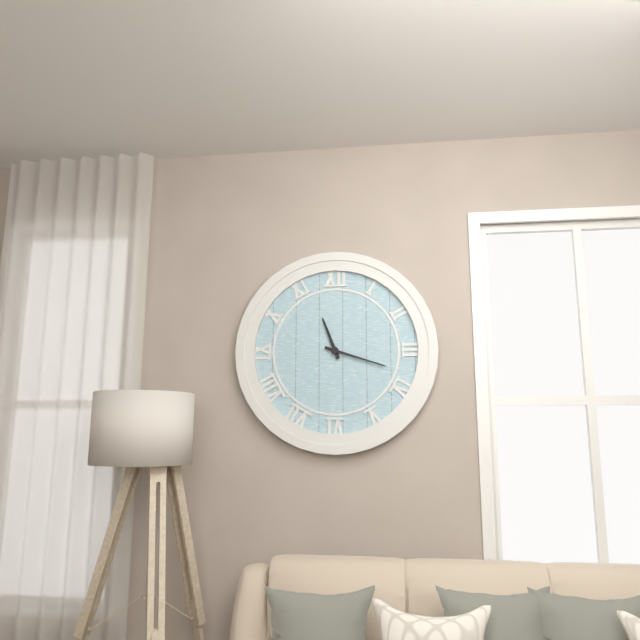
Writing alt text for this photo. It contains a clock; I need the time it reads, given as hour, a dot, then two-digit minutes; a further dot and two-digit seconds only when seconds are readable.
11.18
